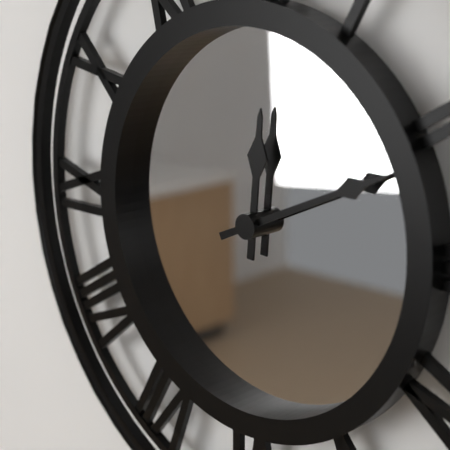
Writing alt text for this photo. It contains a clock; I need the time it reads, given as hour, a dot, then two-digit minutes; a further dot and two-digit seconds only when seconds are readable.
12.11
